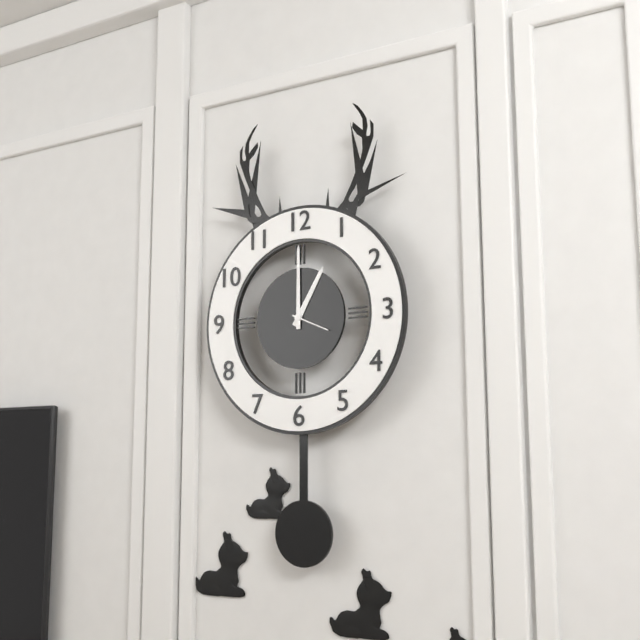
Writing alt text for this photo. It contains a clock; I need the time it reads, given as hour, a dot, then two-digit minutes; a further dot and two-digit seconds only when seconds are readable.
1.00
